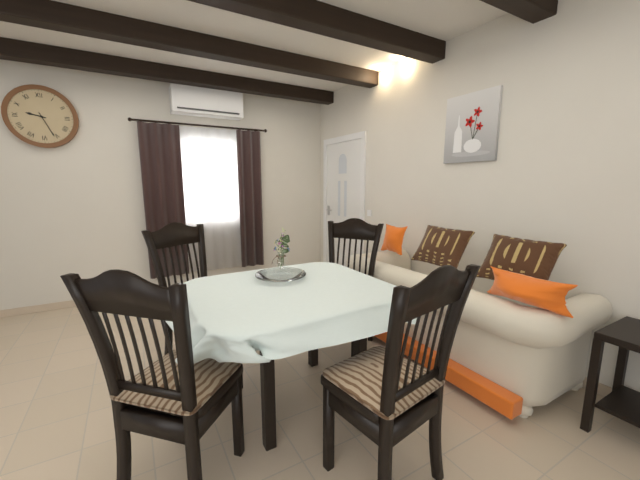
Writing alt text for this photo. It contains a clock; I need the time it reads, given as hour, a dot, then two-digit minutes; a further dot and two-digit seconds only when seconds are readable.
9.26
